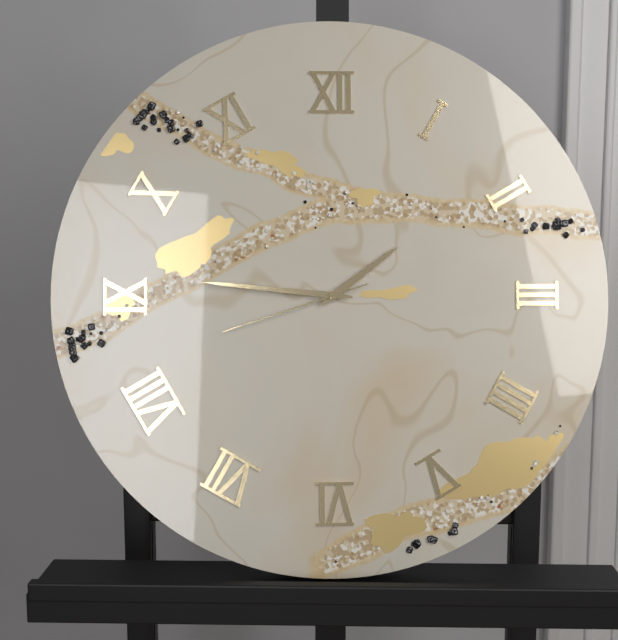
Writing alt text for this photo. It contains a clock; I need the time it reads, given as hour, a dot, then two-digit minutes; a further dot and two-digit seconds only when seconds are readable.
1.46.42
